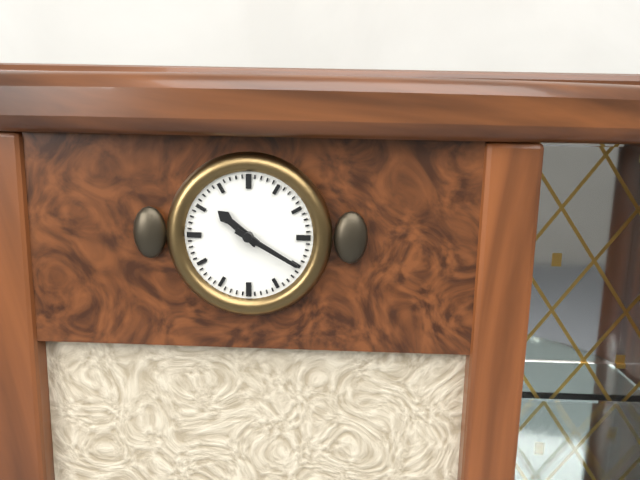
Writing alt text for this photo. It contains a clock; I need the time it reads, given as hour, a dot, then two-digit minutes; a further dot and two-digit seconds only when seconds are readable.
10.20
